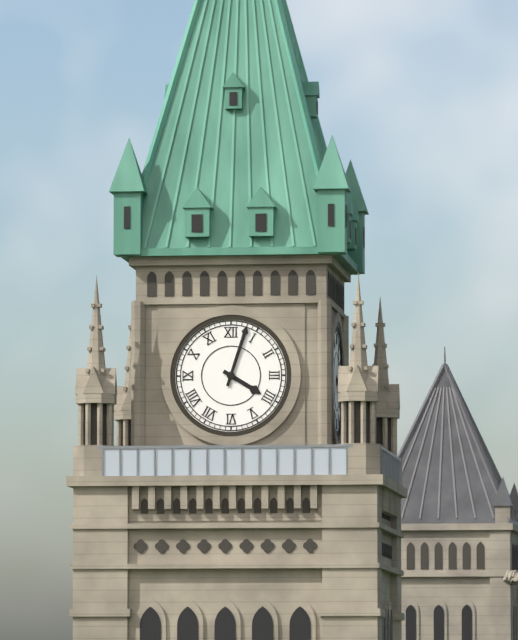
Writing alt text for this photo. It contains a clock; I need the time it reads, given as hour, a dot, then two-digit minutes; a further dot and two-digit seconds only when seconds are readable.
4.03
